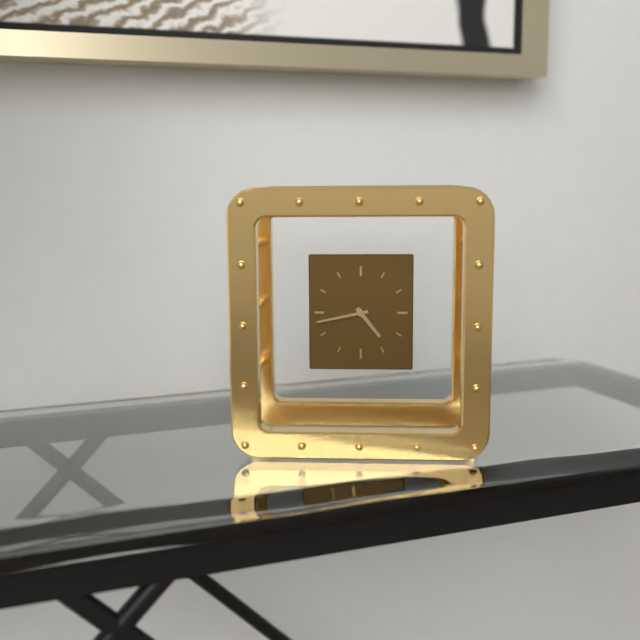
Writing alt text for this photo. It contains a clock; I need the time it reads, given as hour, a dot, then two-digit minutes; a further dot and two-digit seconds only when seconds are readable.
4.43
